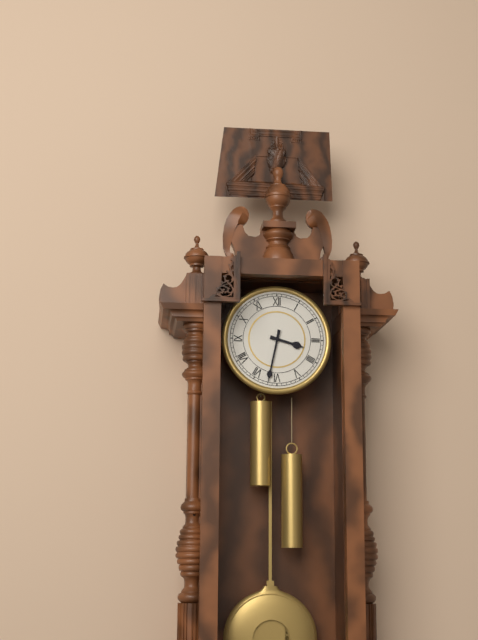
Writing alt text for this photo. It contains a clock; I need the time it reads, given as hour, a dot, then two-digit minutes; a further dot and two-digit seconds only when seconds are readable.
3.32
